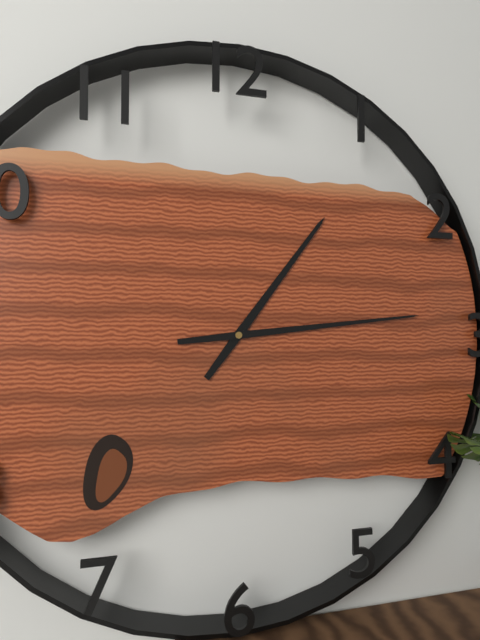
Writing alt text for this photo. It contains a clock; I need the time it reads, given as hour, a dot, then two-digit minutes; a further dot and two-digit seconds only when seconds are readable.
1.14
